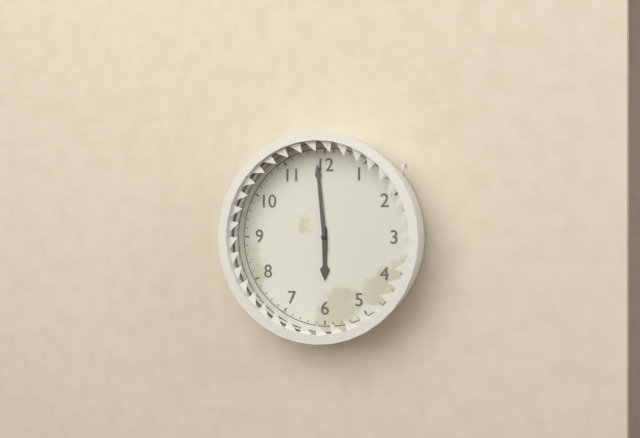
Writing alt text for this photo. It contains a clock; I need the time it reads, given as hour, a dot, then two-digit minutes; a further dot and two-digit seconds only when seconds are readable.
5.59
